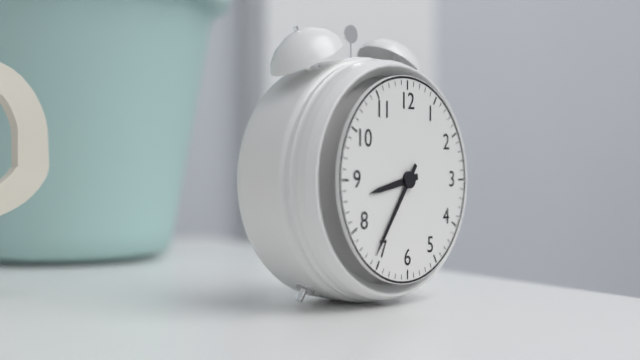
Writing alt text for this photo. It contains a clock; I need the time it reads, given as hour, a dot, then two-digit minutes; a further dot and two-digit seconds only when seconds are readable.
8.36
